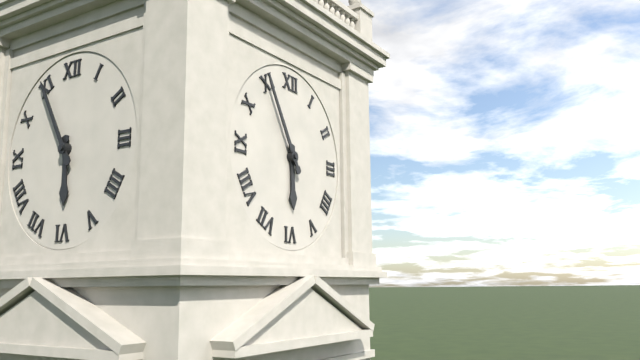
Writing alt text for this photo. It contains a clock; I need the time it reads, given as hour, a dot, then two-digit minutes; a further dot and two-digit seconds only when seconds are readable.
5.55
